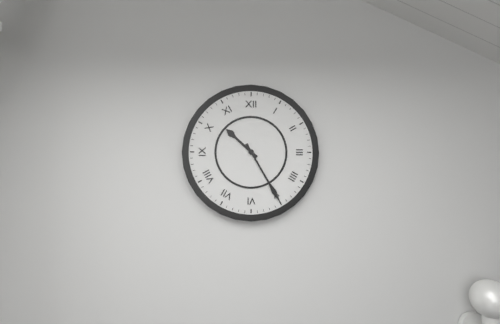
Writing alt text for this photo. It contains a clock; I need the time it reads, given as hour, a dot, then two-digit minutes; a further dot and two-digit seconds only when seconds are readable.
10.25
